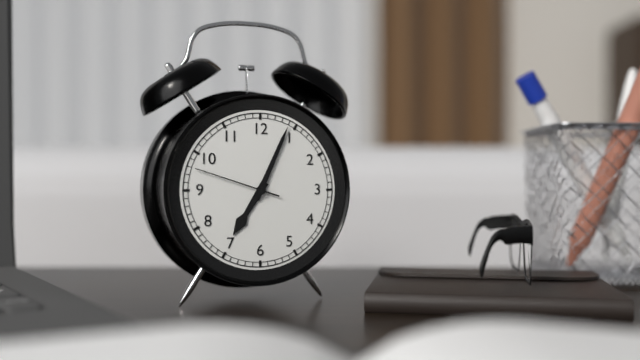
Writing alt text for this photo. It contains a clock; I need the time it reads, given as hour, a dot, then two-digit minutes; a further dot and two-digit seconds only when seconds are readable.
7.04.48
